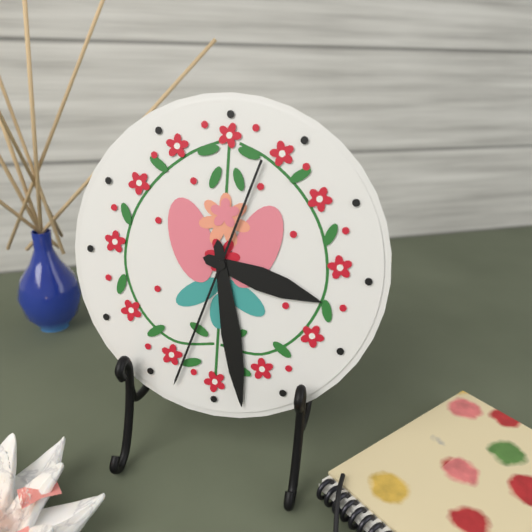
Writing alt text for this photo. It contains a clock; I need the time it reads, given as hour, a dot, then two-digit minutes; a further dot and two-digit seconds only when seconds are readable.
3.28.33
